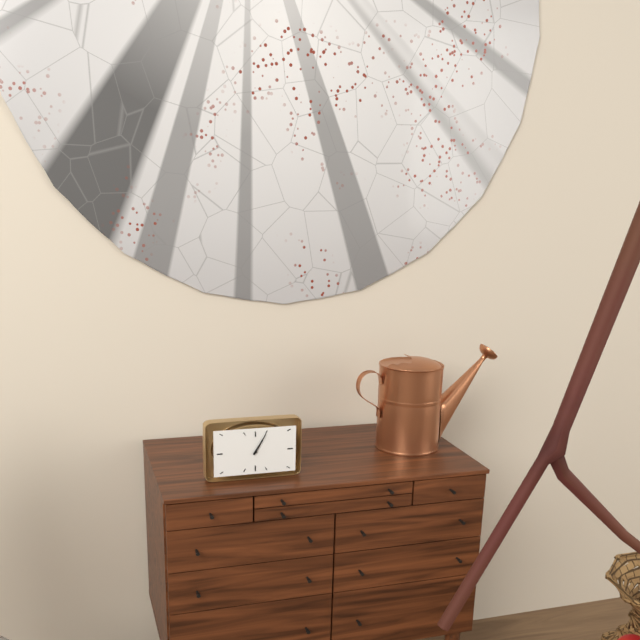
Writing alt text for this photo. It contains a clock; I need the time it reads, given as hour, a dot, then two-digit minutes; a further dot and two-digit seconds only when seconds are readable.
1.05
